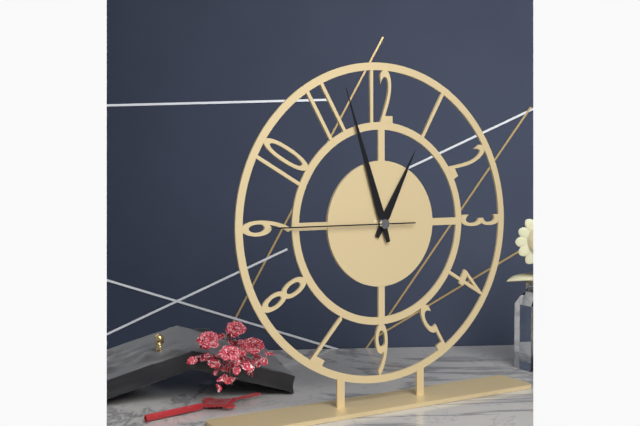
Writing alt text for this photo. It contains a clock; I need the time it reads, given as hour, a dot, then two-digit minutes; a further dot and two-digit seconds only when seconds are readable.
12.57.45
